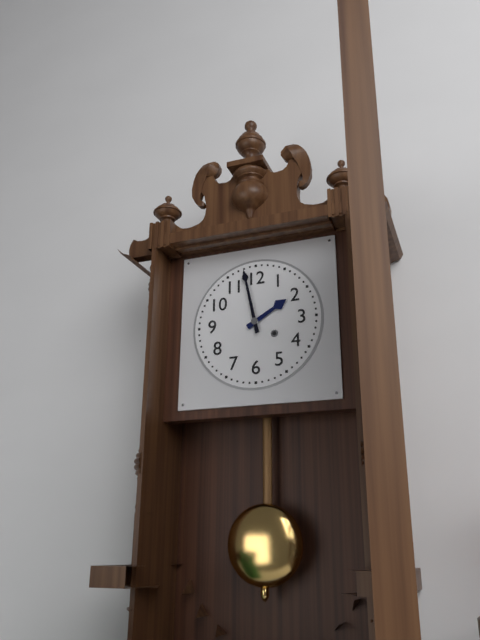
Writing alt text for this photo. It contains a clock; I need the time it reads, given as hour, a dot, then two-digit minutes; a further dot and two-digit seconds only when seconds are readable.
1.58
